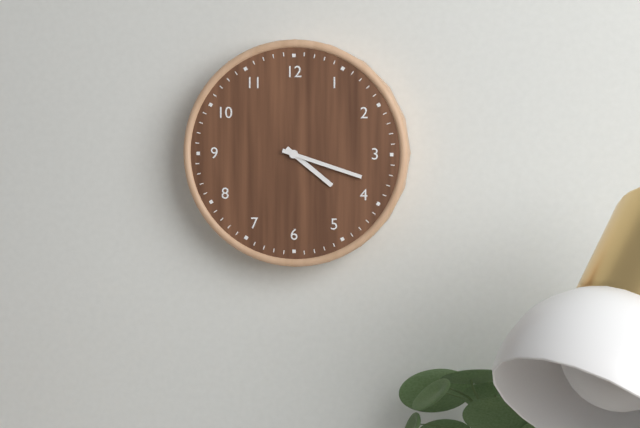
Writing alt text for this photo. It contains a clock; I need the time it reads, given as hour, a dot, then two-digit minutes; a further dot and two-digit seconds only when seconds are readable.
4.18
